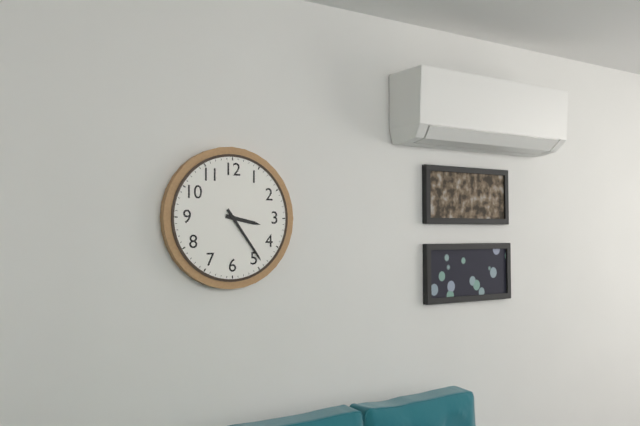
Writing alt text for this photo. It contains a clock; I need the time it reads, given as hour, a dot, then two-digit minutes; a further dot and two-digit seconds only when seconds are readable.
3.24
